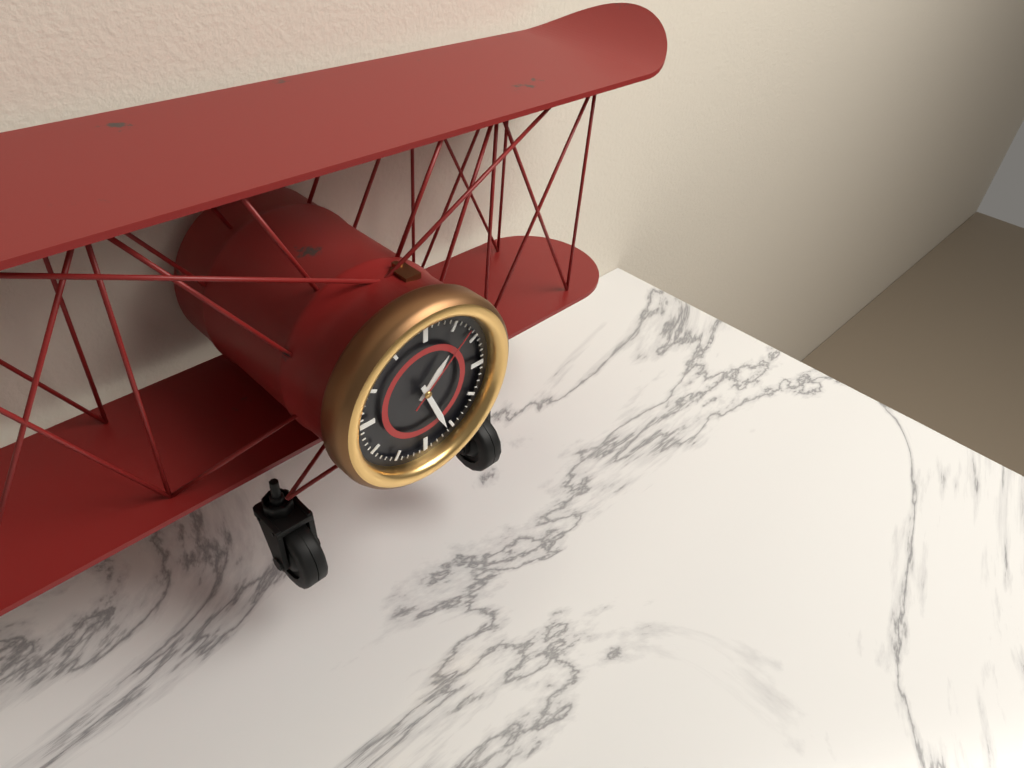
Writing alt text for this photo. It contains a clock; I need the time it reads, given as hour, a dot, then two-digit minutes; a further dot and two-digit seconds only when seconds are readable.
1.26.08
